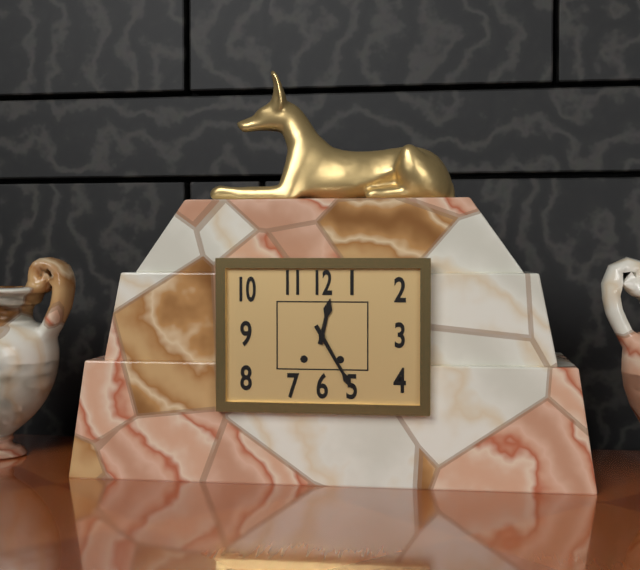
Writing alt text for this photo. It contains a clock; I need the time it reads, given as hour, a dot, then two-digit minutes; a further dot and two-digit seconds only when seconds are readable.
12.25
